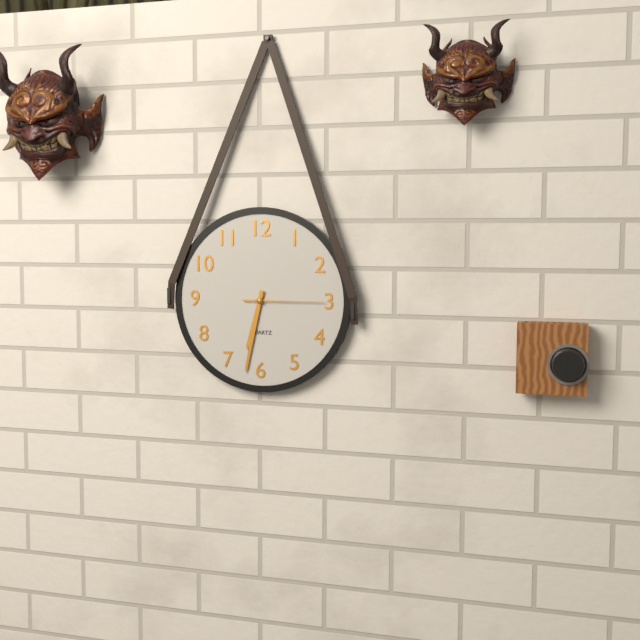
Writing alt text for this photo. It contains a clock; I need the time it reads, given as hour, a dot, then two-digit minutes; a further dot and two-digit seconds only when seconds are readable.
6.32.15
